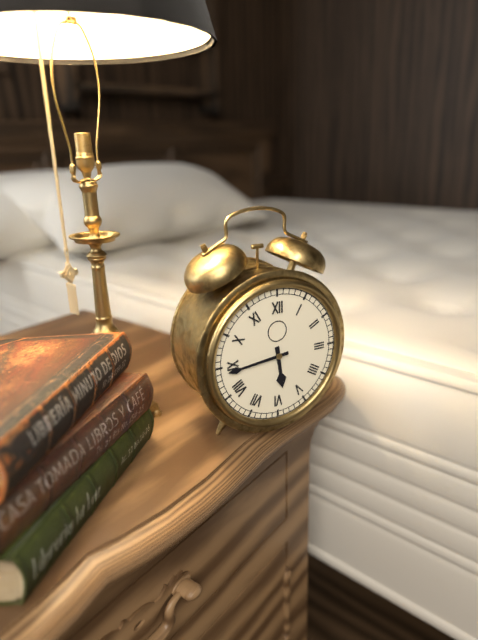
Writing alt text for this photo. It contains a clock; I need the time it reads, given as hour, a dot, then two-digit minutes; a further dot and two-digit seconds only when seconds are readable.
5.44
